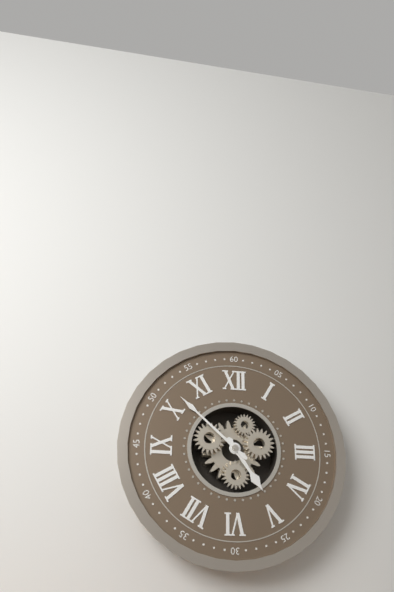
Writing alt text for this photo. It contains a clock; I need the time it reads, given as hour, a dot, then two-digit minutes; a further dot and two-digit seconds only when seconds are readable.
4.52
